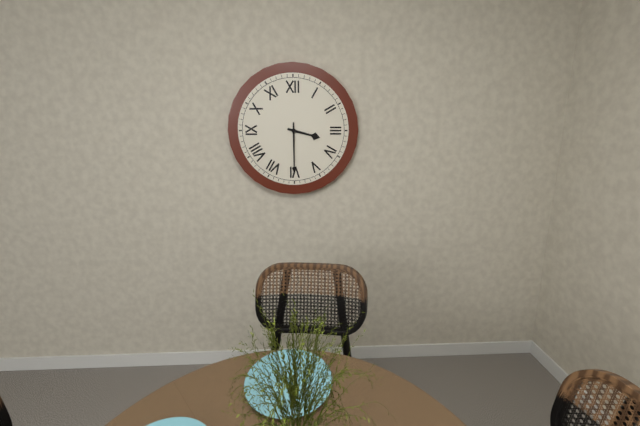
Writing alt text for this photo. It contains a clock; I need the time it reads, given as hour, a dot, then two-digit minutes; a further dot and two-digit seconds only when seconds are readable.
3.30
